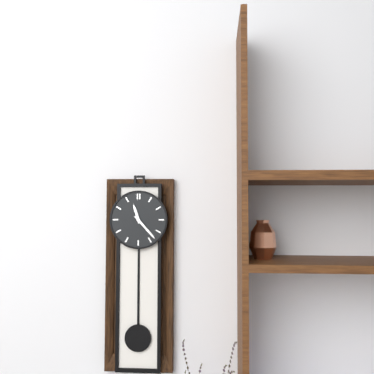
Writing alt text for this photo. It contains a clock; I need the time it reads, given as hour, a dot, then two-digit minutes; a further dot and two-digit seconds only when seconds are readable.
11.23
